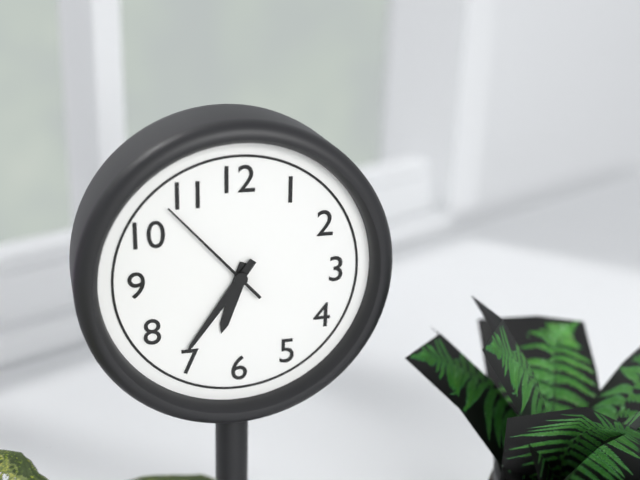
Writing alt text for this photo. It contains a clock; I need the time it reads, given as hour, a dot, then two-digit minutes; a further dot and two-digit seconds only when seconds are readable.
6.36.53
